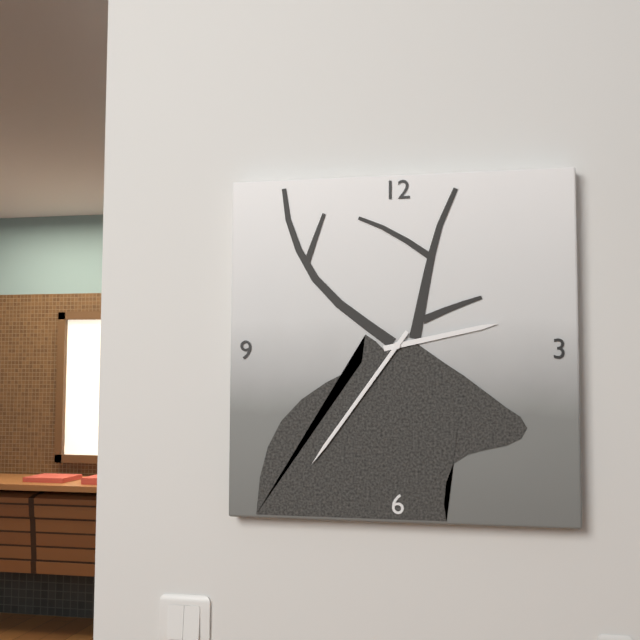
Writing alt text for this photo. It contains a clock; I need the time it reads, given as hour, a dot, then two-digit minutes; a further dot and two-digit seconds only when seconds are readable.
2.36
